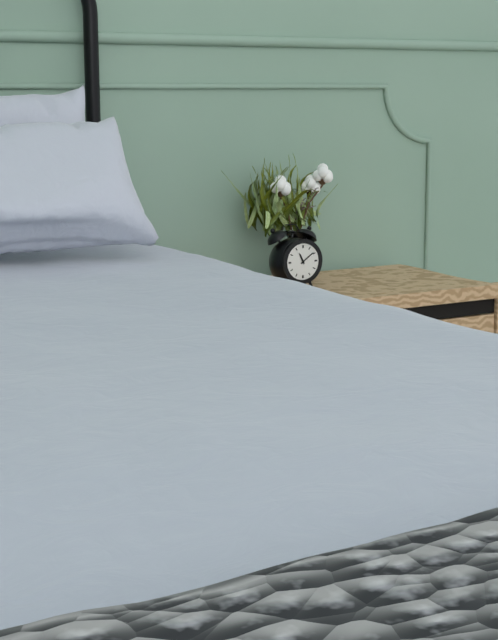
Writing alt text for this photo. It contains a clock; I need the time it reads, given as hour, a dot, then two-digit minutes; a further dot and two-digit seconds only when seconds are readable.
11.09
